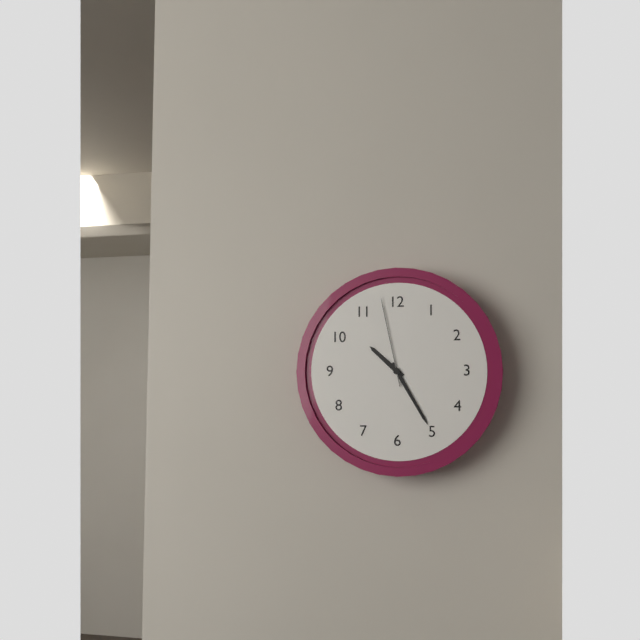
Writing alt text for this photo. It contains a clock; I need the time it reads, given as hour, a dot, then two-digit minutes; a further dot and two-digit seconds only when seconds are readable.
10.25.58
